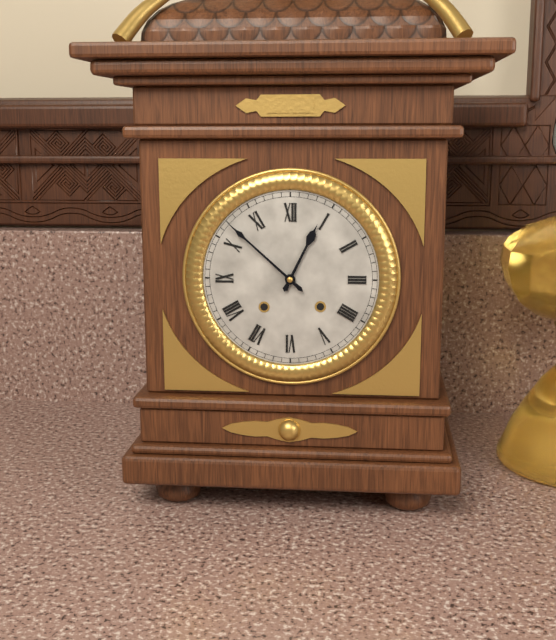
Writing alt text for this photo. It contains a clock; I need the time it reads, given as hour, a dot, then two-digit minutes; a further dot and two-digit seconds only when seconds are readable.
12.52
